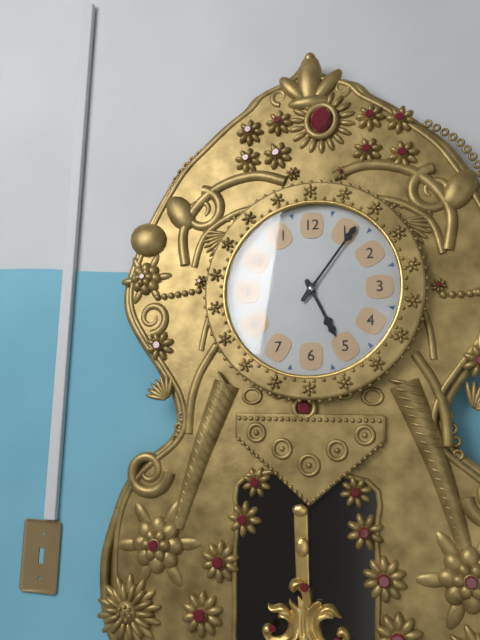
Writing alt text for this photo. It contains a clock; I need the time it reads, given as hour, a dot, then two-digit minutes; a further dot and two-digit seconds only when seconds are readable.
5.06
